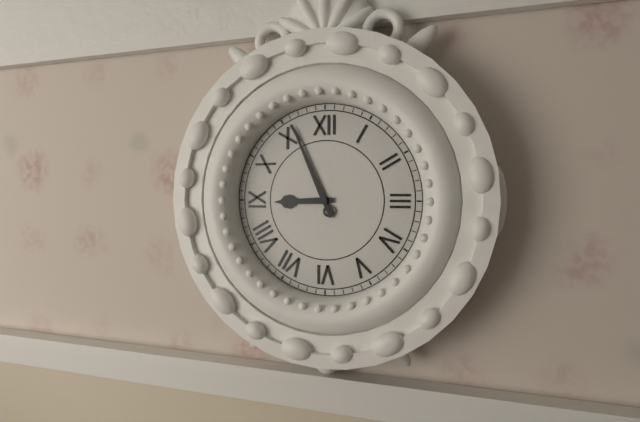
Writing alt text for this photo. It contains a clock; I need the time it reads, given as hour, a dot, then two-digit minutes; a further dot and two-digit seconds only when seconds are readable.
8.56
